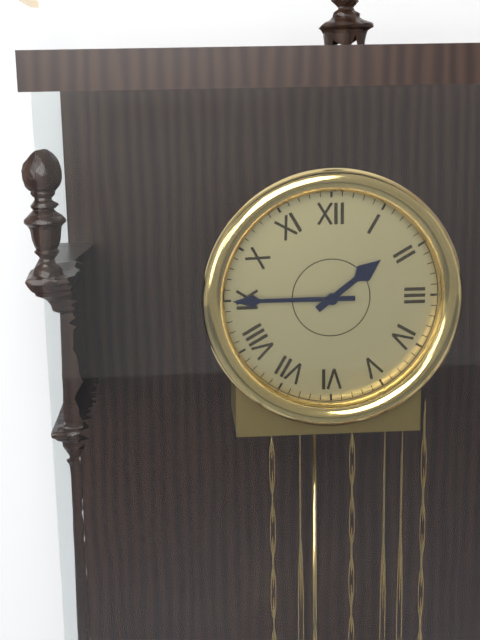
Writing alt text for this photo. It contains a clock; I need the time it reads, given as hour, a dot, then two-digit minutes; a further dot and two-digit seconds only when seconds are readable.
1.45
